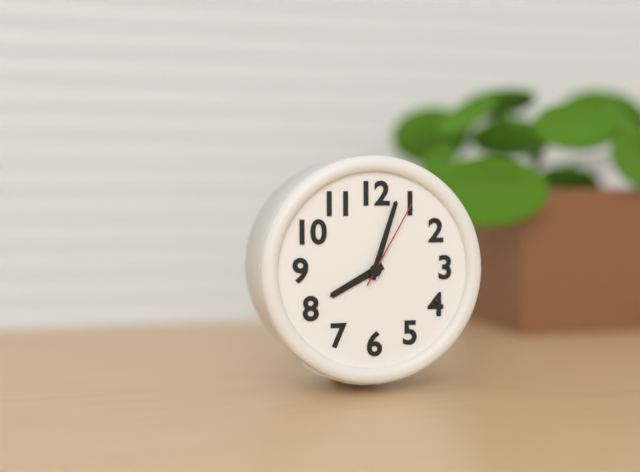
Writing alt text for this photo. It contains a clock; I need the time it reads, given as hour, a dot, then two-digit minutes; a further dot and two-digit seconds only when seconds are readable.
8.03.05
